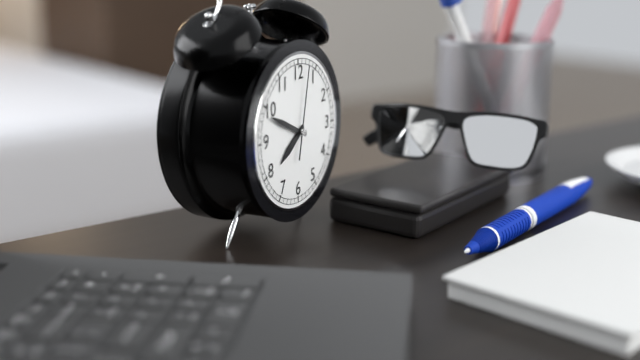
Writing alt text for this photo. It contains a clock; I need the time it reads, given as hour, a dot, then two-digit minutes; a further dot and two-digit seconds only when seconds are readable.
7.49.02
